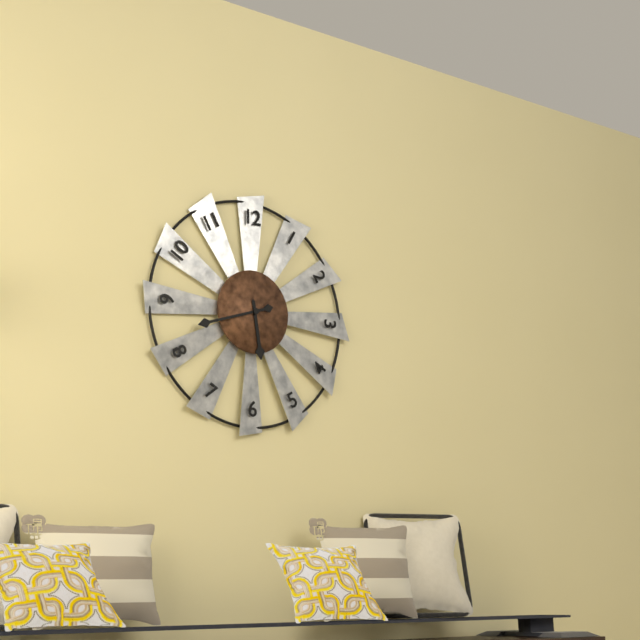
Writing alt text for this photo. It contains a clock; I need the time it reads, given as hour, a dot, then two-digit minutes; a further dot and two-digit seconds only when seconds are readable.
5.42
